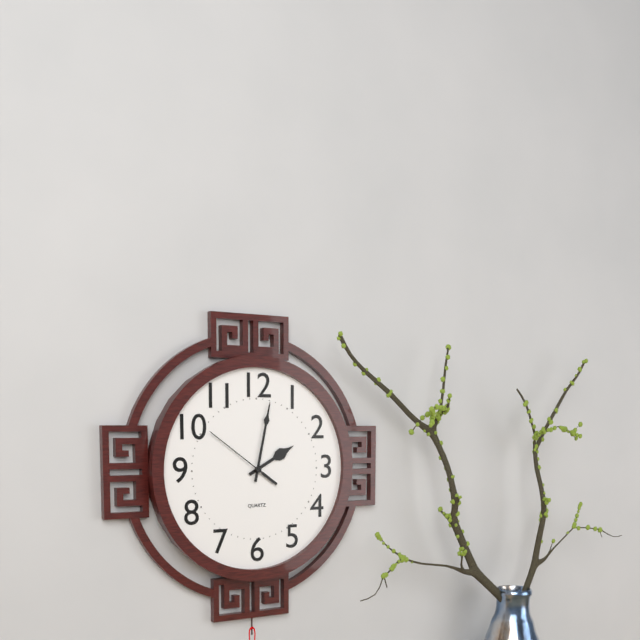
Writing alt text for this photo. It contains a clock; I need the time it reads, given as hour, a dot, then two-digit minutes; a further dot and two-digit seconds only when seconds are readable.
2.02.51
